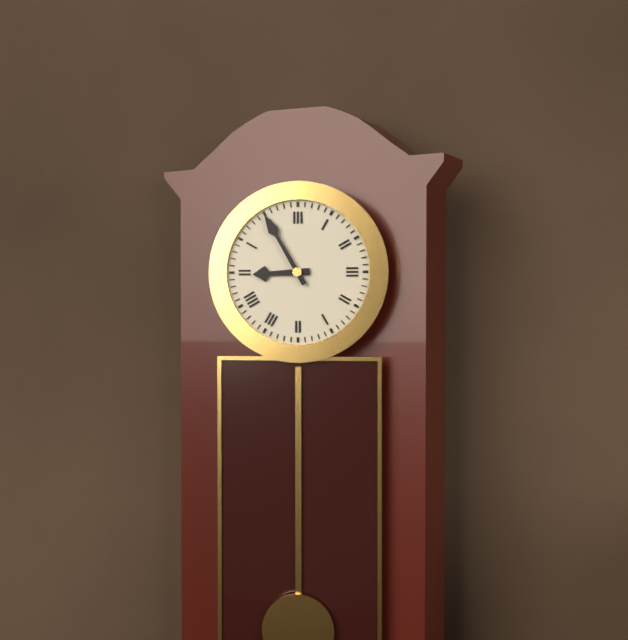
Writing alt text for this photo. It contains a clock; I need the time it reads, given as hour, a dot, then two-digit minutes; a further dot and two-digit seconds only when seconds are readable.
8.55
